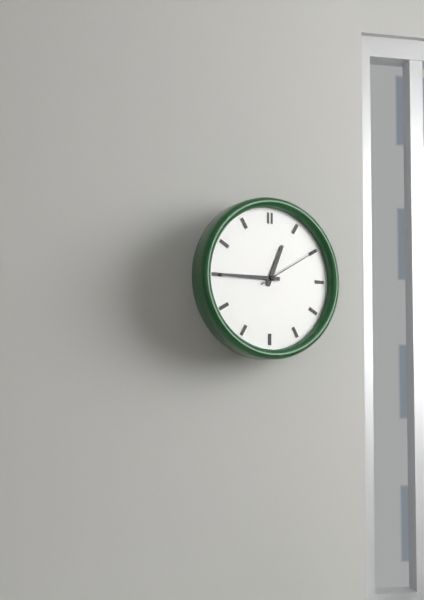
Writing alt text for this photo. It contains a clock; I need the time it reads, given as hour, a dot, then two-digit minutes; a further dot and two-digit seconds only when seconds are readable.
12.45.10
